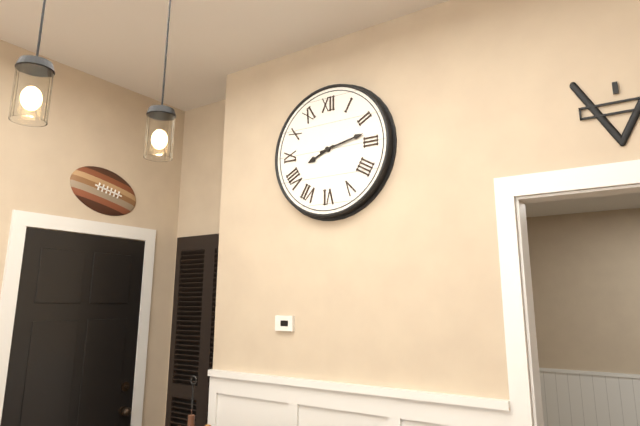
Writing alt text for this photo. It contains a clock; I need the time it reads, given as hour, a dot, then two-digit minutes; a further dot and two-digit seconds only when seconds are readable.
8.13
